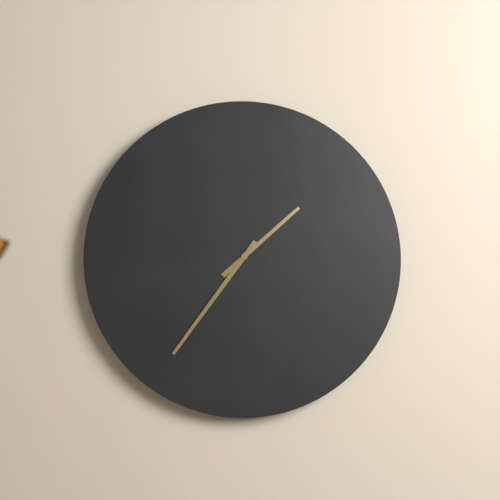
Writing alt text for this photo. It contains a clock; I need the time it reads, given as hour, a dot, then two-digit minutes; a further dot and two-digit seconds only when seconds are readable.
1.36
